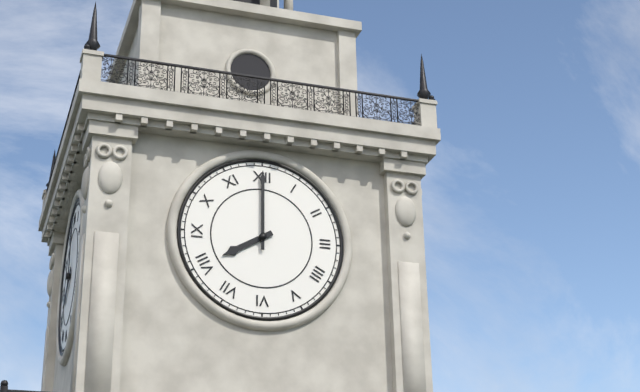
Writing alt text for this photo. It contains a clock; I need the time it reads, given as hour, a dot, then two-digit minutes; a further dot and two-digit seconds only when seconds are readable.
8.00
